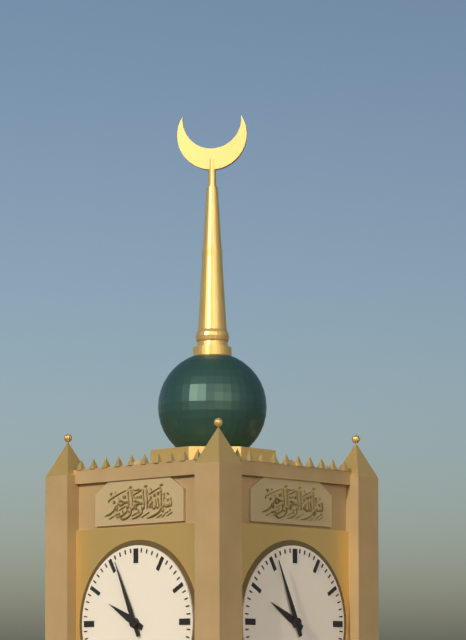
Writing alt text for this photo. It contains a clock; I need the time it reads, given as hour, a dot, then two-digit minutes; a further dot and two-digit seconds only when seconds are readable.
9.56
